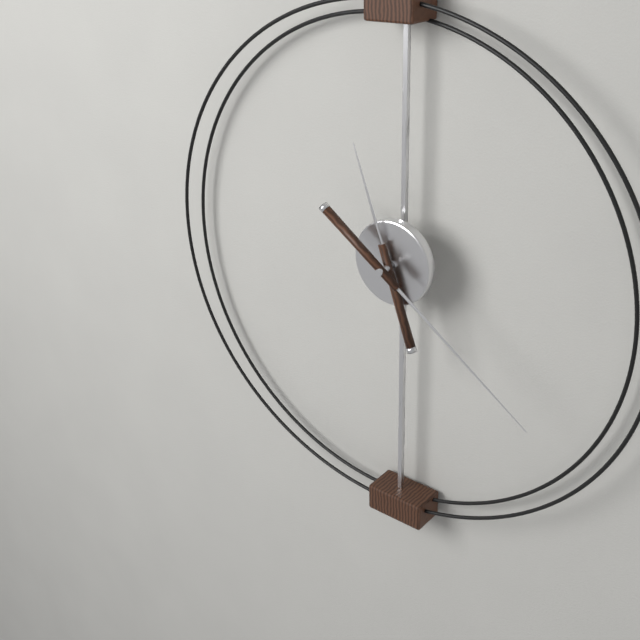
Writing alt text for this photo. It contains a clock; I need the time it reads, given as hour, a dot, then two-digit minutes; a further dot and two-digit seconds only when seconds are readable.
11.21
